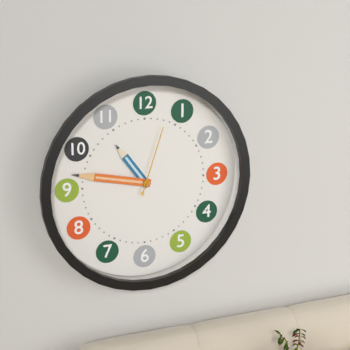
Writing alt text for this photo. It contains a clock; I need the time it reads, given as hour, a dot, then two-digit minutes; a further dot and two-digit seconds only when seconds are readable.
10.47.03
